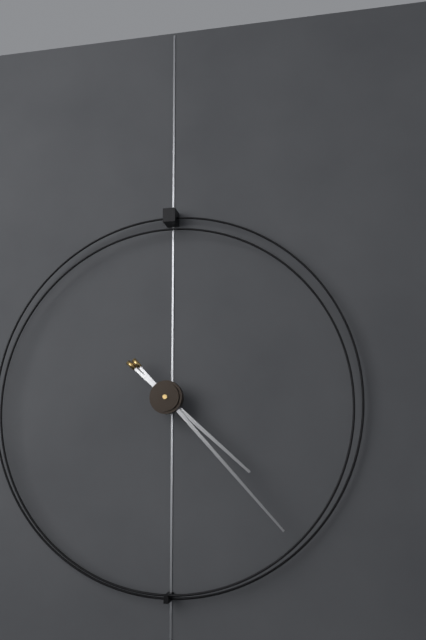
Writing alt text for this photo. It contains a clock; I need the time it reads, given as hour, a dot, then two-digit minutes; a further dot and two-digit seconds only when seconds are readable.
4.23
